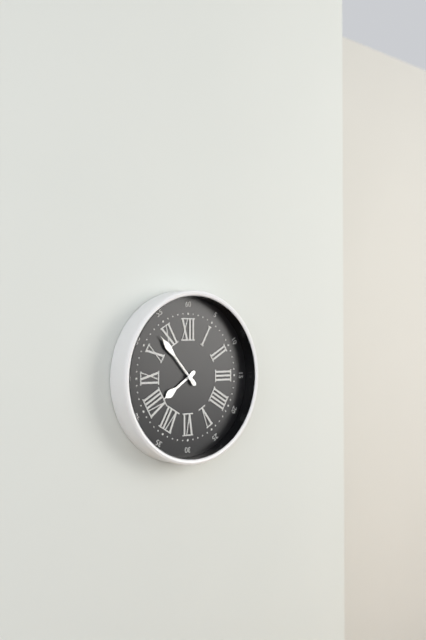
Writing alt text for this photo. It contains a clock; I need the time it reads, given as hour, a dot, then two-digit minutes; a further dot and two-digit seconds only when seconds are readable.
7.53.53
